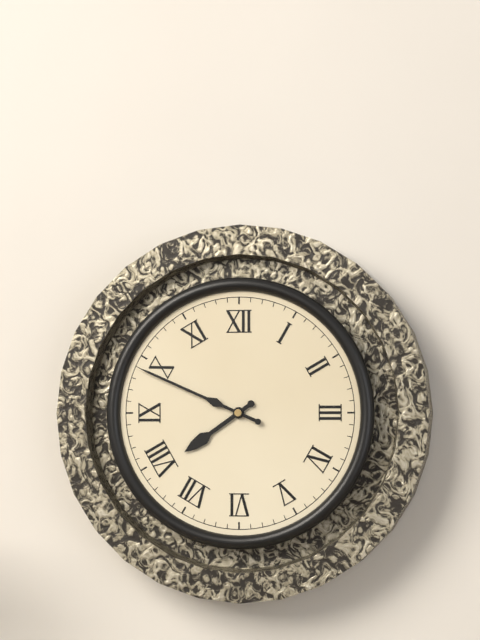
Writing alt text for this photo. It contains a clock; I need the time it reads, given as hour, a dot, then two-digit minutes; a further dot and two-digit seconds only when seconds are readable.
7.49
